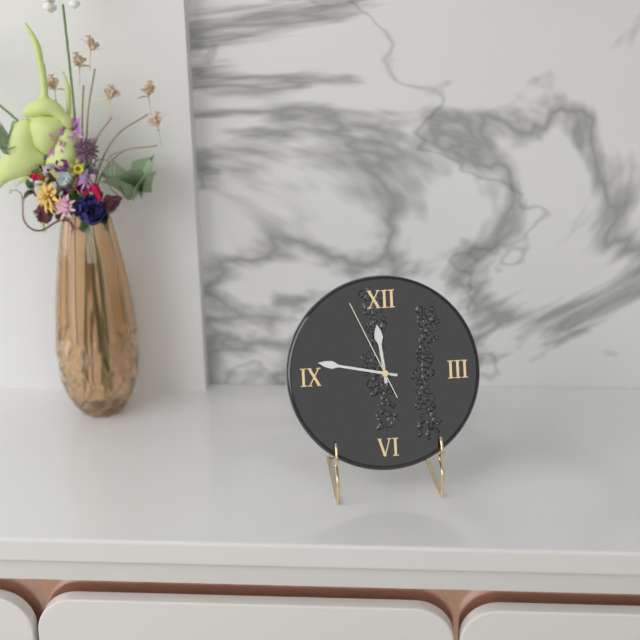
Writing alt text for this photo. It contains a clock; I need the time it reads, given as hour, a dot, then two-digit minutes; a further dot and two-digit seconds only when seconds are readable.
11.47.56
